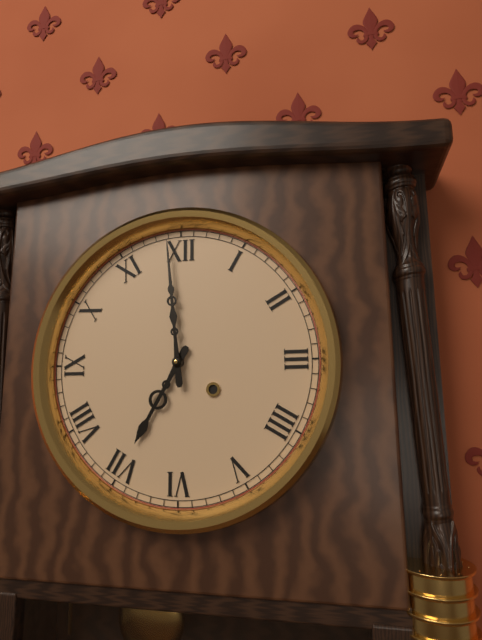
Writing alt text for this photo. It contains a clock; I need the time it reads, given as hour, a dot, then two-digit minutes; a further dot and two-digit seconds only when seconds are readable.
6.59
